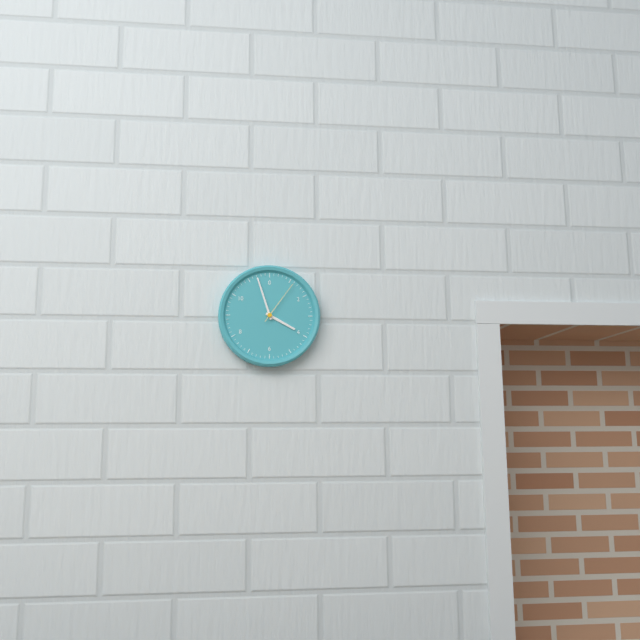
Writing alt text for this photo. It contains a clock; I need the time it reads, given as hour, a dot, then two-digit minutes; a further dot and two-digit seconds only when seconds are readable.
3.57.06
